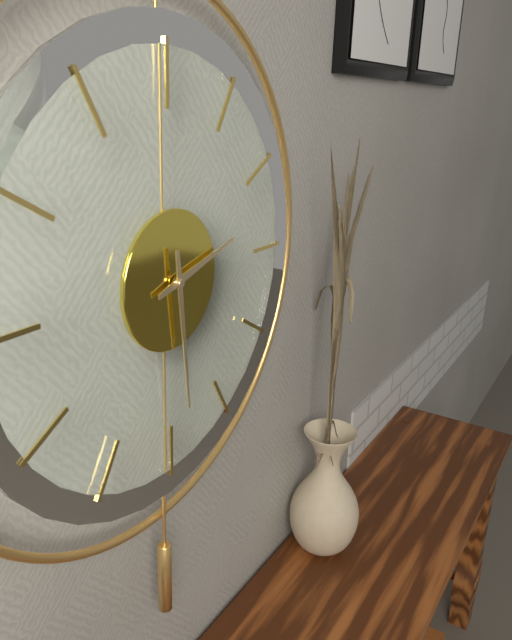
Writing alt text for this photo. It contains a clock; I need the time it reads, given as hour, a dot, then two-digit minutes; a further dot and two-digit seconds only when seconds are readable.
2.29
